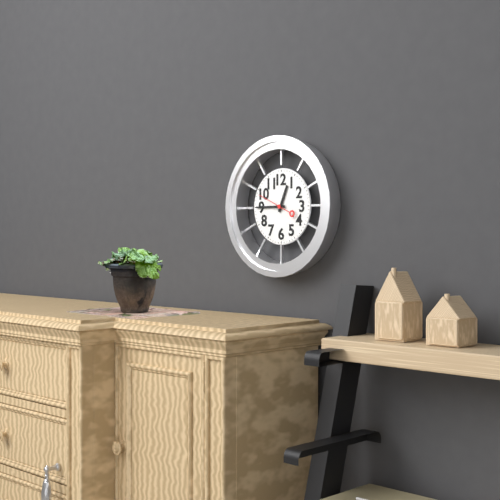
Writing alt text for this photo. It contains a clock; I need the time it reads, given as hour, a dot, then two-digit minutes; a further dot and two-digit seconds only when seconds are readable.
12.45
